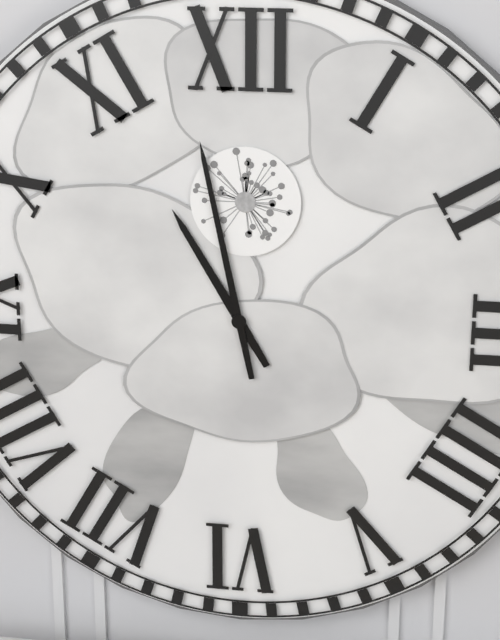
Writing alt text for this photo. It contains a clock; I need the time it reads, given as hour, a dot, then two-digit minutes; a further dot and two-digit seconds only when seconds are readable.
10.58
